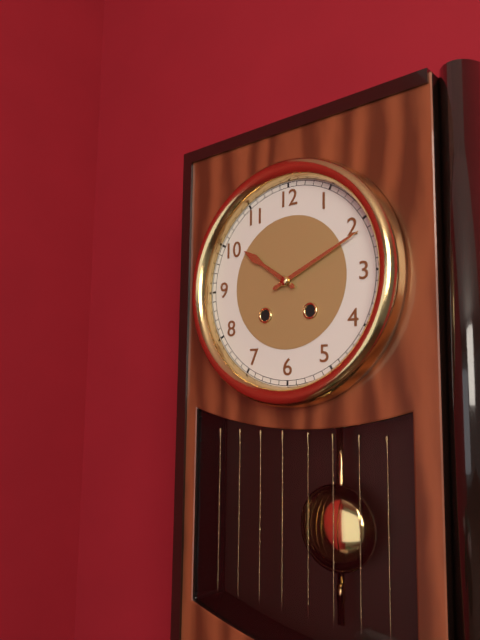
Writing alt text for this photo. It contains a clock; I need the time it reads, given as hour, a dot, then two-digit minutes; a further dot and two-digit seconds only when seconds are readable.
10.11
